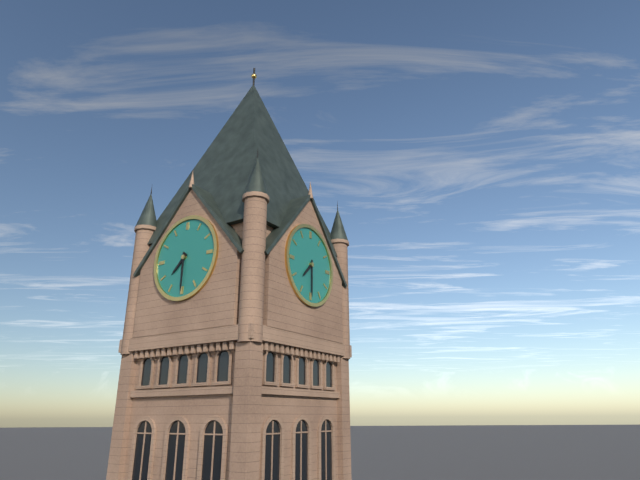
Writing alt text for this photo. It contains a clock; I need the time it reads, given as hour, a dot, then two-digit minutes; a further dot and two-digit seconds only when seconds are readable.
7.30
